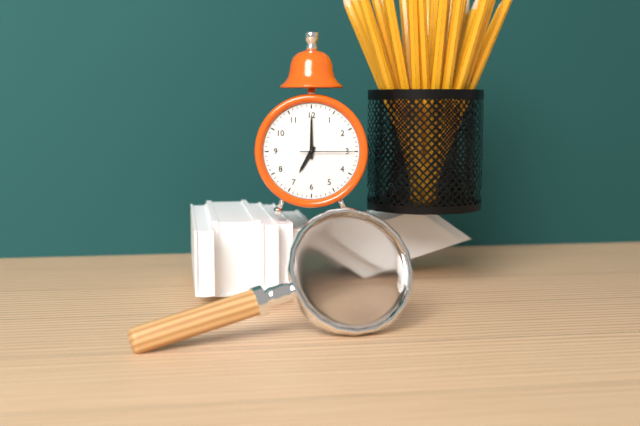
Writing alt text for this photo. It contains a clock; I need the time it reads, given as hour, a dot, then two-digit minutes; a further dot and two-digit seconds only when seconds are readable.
7.00.15
